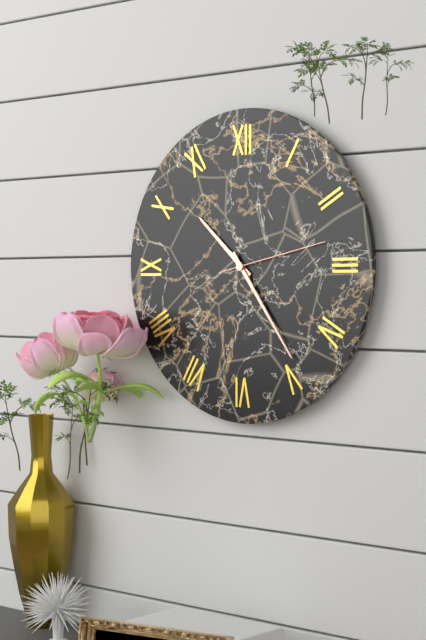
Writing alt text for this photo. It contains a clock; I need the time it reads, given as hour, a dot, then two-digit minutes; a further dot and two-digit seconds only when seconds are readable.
10.24.13
